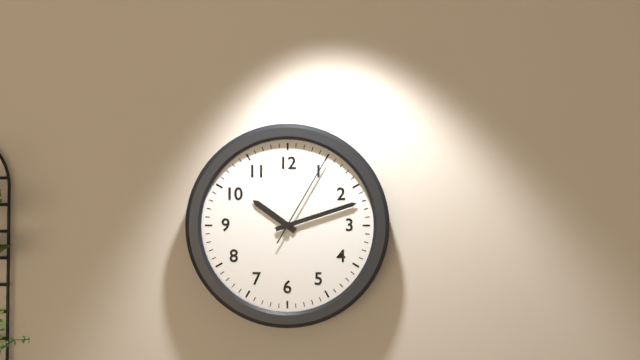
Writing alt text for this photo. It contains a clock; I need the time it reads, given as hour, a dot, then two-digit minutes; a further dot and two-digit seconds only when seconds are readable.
10.12.05
